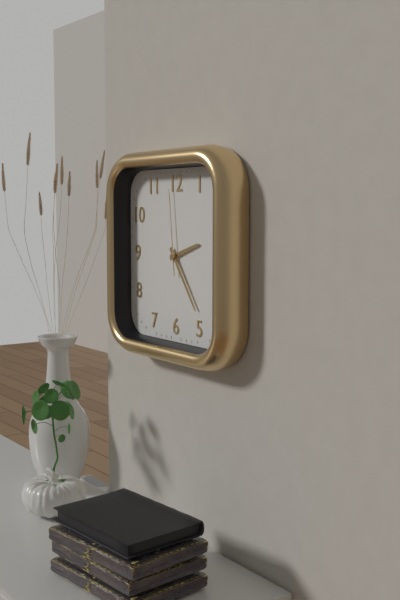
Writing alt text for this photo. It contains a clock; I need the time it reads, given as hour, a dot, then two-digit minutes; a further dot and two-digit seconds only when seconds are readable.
2.24.59
